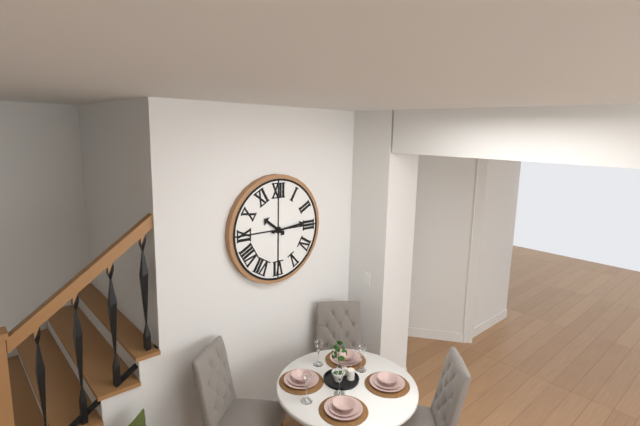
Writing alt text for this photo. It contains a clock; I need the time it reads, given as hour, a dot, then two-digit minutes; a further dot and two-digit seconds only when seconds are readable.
10.14
